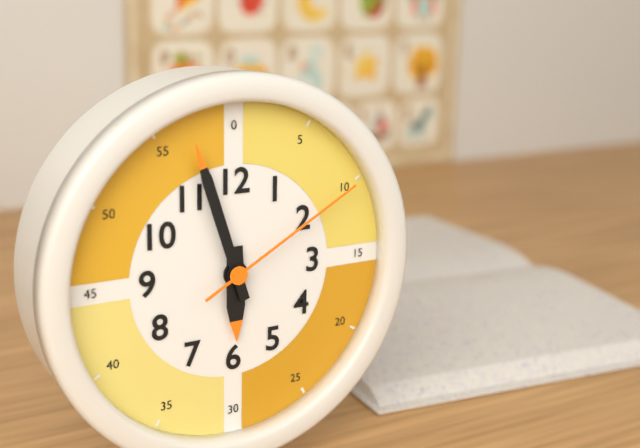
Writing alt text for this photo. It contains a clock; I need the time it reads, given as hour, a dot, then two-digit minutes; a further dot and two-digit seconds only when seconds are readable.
5.57.10
